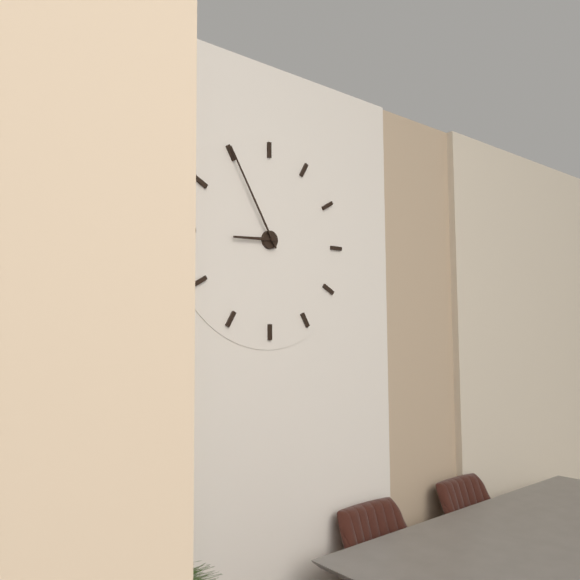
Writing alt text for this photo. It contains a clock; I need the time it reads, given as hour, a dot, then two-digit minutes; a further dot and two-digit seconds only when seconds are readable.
8.55
